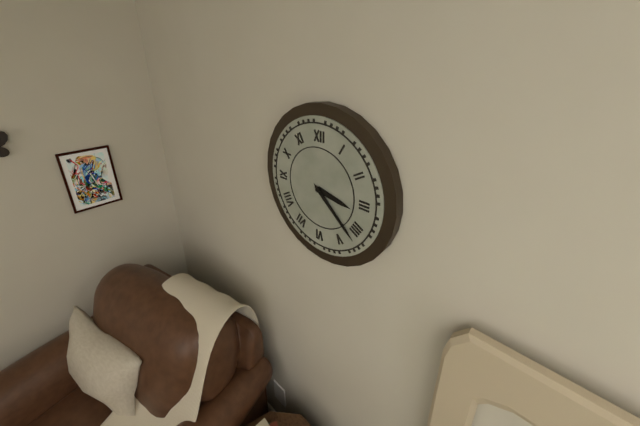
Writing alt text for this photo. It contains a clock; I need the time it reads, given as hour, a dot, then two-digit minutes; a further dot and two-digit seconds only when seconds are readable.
3.22
